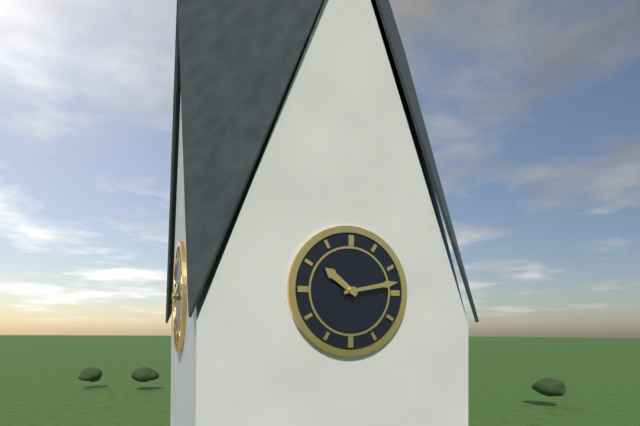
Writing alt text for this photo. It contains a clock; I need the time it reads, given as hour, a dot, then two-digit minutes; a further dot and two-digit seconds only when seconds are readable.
10.13
